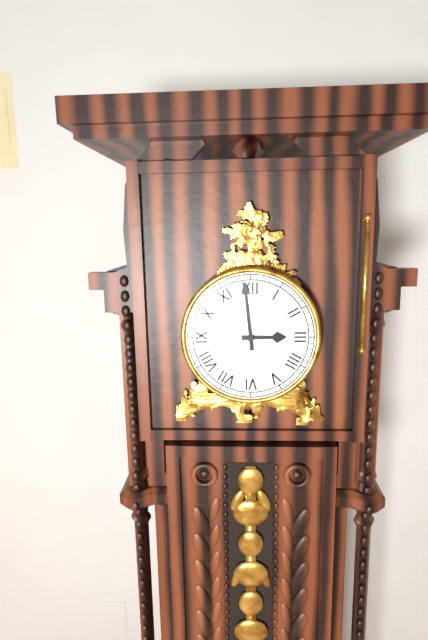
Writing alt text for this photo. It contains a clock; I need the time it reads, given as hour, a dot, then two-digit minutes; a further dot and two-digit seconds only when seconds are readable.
2.59
